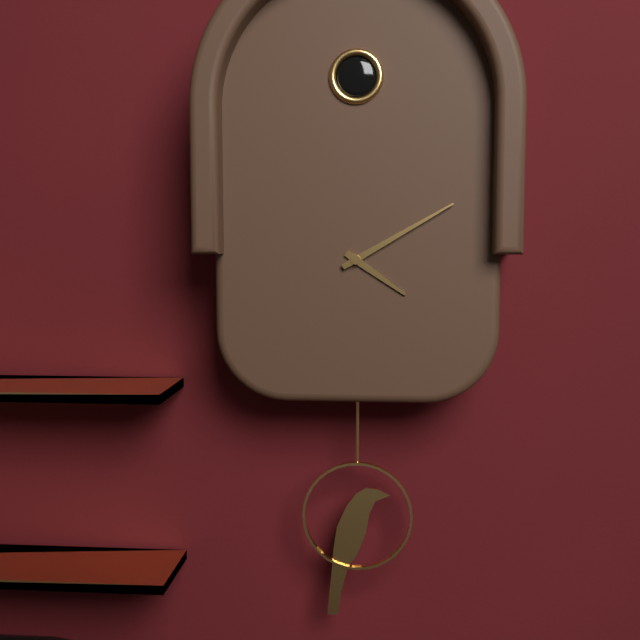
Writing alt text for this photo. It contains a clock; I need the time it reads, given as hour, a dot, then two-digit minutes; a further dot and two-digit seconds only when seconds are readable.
4.10
